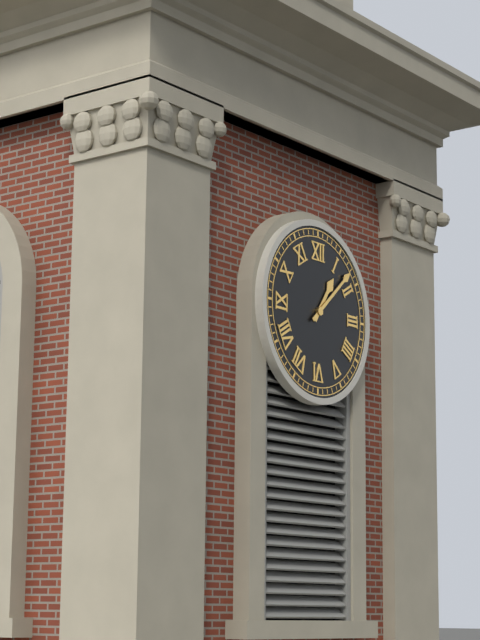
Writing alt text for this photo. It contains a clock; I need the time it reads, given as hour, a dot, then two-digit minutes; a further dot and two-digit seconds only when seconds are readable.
1.08
